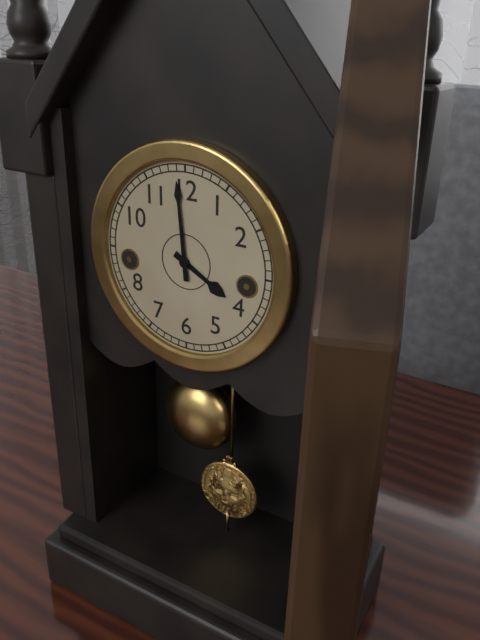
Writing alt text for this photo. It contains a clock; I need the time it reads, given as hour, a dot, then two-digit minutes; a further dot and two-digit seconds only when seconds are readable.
3.59
